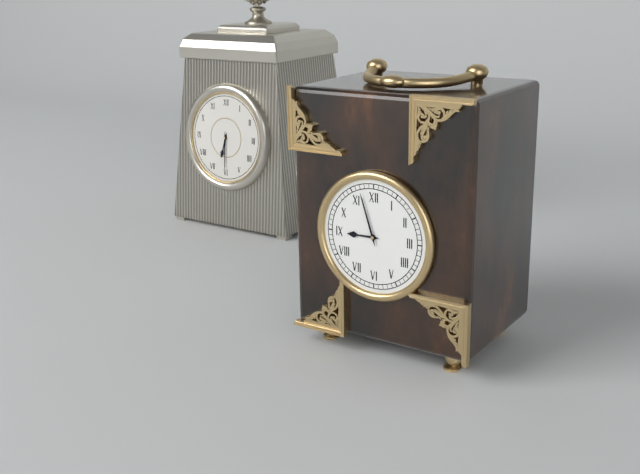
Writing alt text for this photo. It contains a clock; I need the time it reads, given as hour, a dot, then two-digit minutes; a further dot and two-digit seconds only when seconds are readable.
8.57
